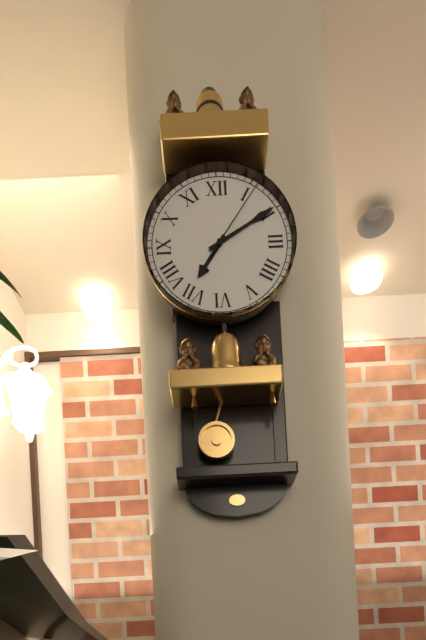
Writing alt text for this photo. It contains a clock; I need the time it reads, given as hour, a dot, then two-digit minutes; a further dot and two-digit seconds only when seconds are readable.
7.10.06
